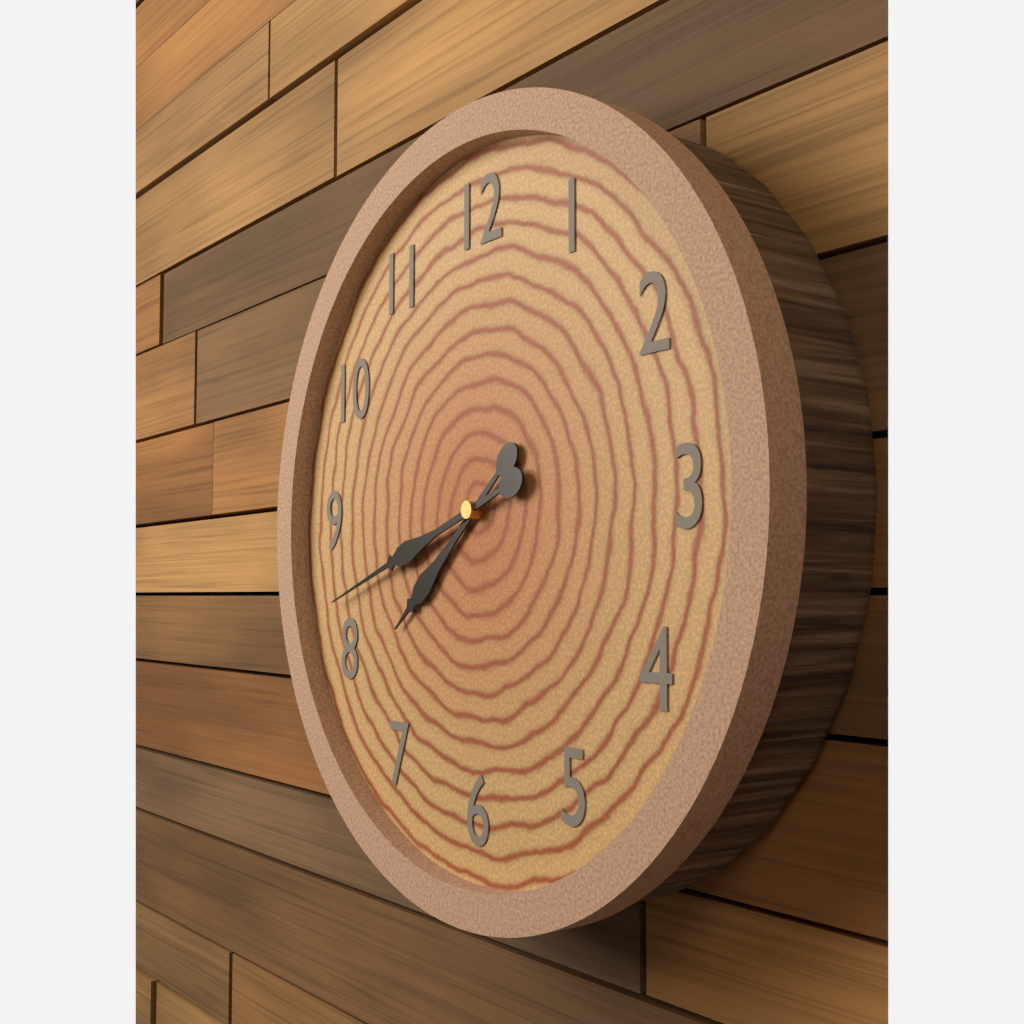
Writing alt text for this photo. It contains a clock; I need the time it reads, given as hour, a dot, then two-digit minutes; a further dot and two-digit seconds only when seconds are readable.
7.42
